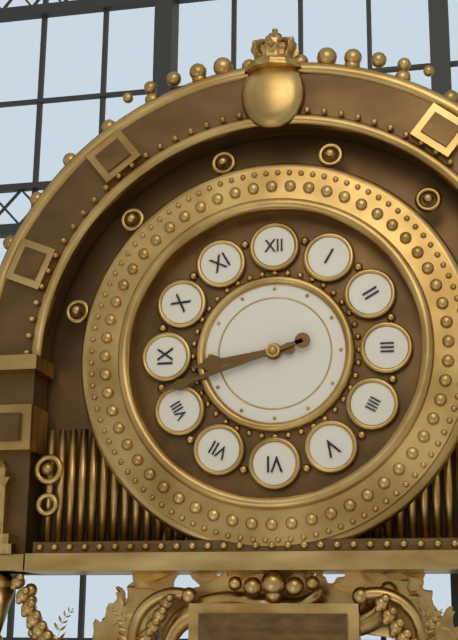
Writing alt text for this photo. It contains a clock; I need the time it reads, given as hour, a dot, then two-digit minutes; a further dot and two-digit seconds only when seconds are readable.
8.42
